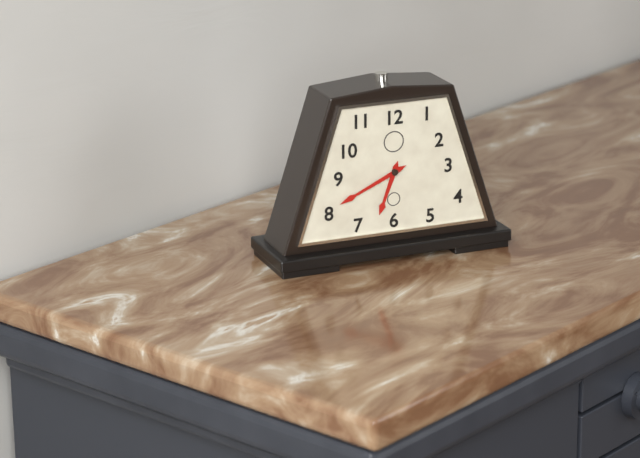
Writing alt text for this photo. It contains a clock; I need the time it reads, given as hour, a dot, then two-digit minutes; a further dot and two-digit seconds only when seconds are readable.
6.41
